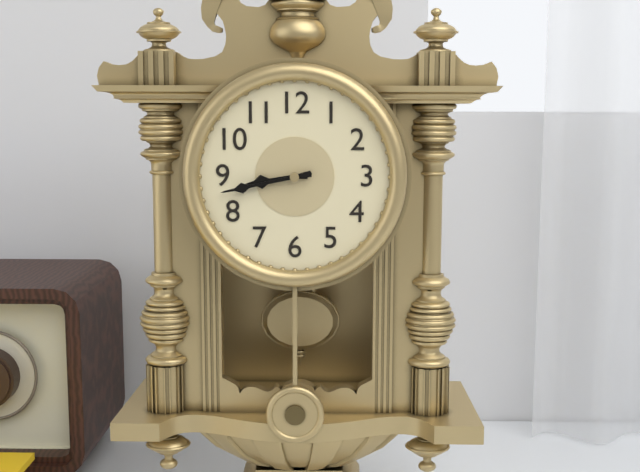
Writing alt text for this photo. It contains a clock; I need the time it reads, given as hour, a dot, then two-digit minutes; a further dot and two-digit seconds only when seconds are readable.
8.43
